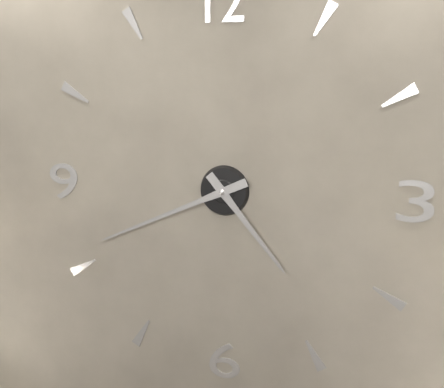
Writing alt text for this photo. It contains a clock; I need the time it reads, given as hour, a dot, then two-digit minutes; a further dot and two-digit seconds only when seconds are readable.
4.41
